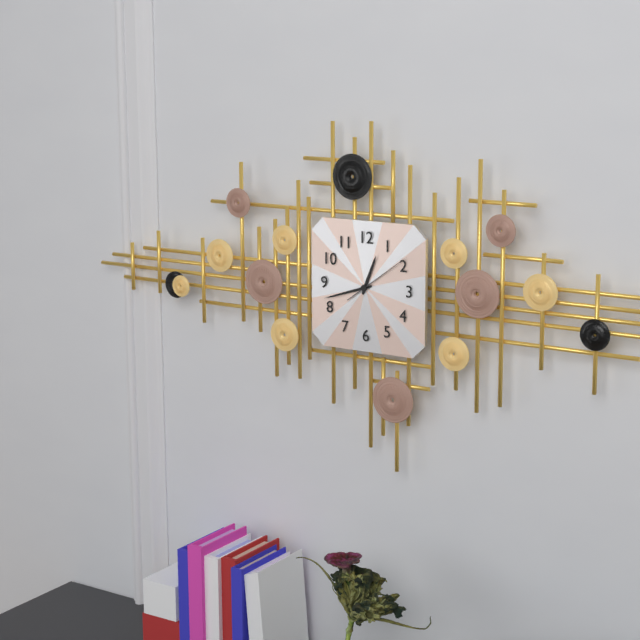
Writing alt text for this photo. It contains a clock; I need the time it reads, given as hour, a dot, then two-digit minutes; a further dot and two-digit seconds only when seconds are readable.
12.42.09
